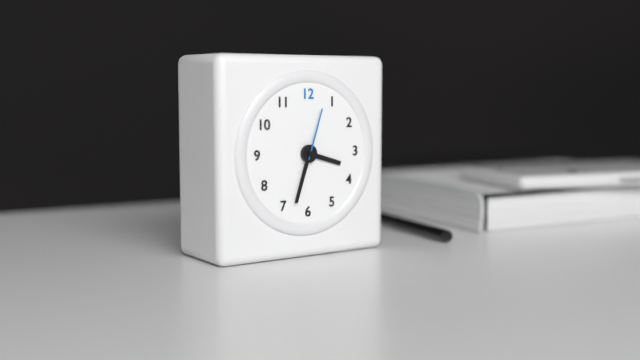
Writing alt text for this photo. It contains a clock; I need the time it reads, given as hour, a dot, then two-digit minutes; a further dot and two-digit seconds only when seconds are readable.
3.33.03
